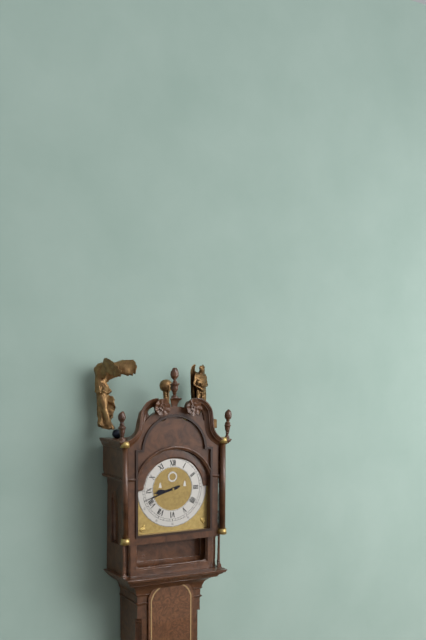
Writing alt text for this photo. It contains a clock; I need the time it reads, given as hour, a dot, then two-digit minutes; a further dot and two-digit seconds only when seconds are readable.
8.42
